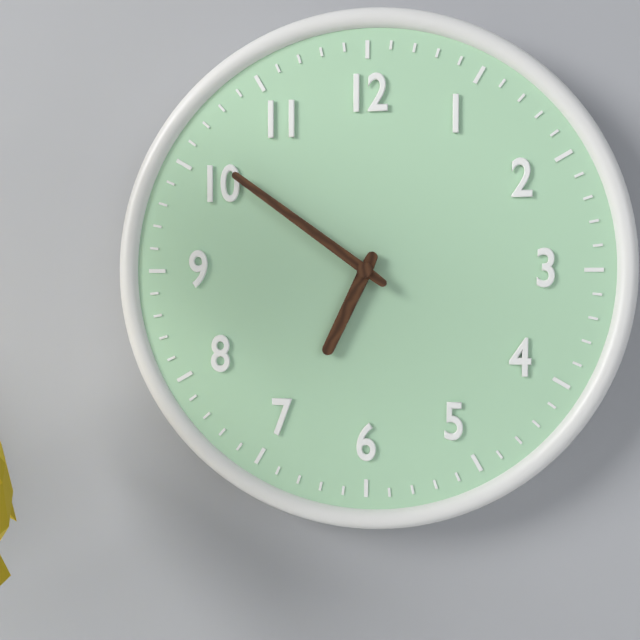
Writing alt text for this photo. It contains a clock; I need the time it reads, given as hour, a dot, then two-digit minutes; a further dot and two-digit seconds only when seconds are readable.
6.51
